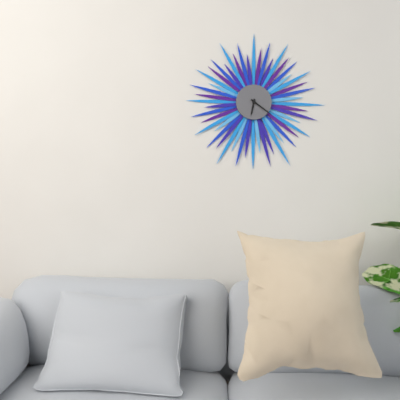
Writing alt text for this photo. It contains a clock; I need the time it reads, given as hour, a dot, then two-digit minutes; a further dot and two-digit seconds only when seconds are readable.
6.21
